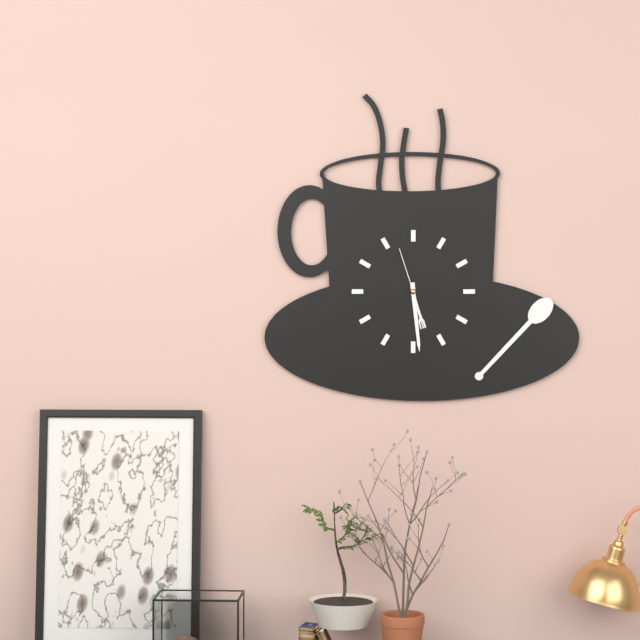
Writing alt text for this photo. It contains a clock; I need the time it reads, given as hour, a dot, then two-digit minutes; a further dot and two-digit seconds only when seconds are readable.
5.29.57
